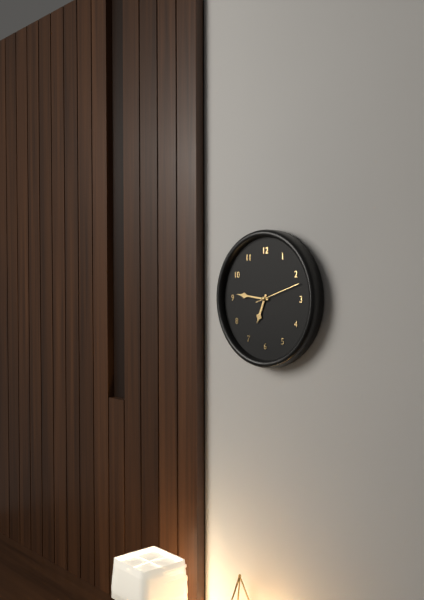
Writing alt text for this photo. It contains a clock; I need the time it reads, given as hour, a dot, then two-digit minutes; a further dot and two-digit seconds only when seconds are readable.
6.46
